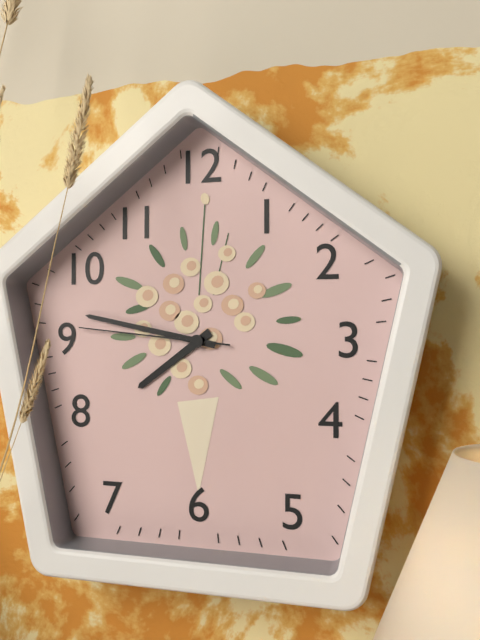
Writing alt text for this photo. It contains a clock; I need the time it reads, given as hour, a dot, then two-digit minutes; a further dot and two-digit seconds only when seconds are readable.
7.47.46
